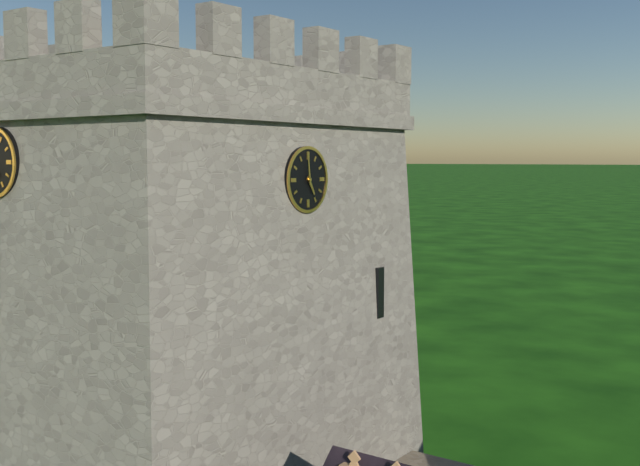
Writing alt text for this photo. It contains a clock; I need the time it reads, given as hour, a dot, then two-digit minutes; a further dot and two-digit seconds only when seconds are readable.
4.59
